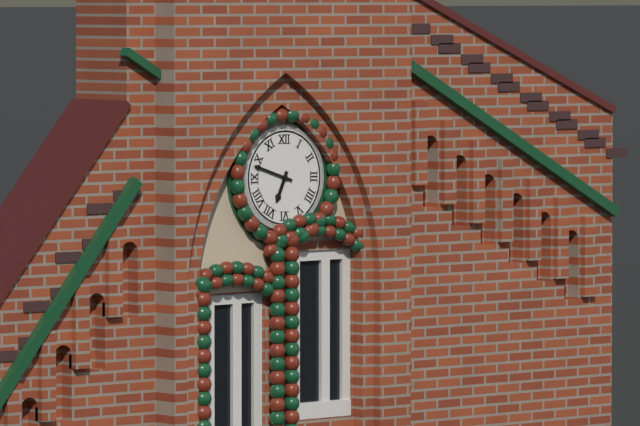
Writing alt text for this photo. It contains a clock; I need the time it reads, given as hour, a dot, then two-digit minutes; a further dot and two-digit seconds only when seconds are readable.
6.48
